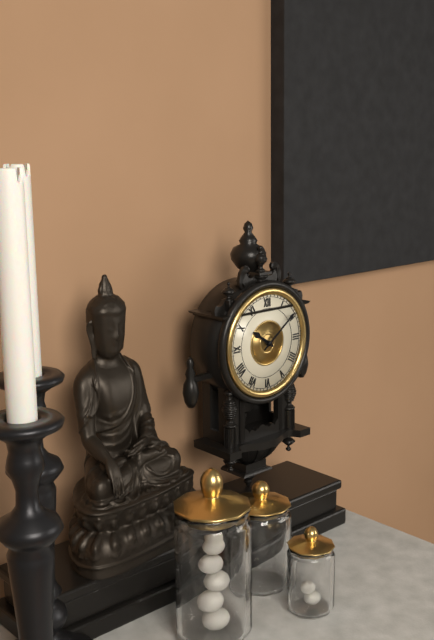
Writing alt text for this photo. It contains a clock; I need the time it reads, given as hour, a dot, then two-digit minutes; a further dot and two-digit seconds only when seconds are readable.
10.09
